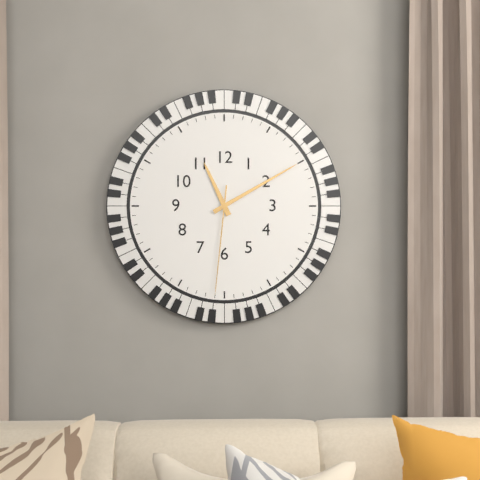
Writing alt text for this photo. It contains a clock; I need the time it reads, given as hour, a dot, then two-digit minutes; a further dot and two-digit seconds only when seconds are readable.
11.10.31
